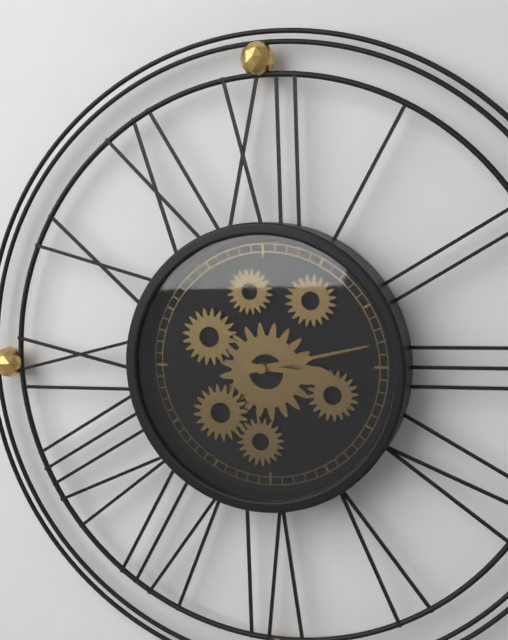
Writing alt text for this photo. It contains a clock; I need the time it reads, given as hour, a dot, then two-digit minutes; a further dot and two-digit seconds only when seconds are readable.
3.13
